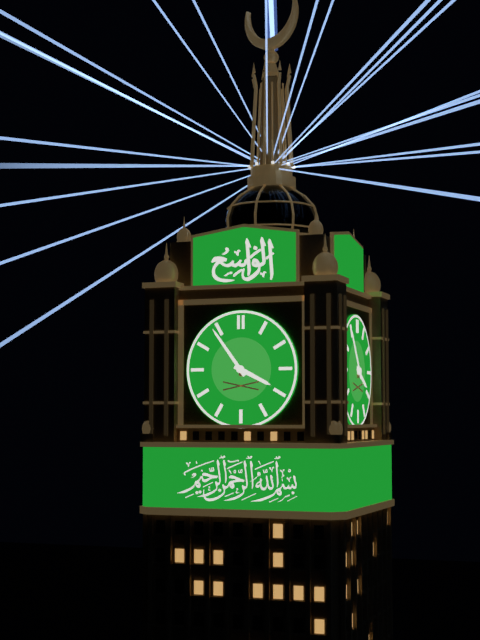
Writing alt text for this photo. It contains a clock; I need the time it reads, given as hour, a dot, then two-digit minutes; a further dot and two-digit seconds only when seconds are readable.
3.54
